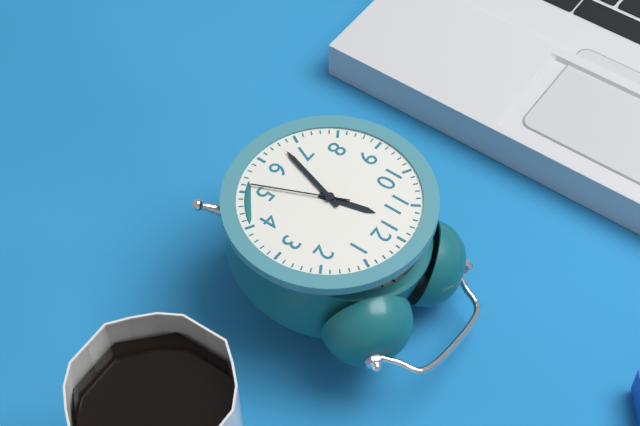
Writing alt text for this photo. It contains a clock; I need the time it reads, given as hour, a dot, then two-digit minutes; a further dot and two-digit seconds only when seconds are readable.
11.33.26
